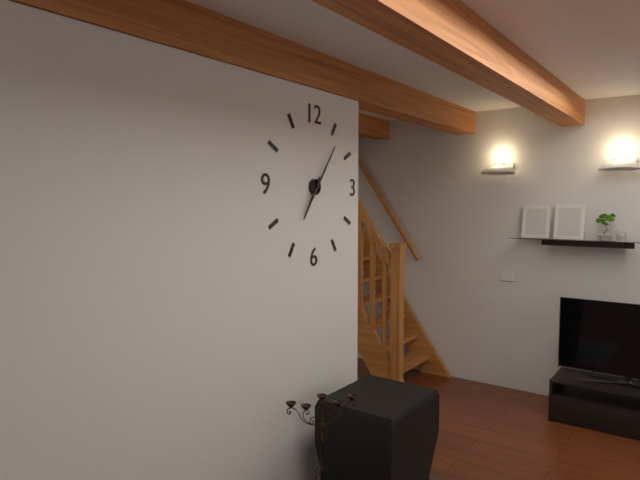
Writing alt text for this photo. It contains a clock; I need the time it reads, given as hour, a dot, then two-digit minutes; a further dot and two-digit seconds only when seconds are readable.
7.06
